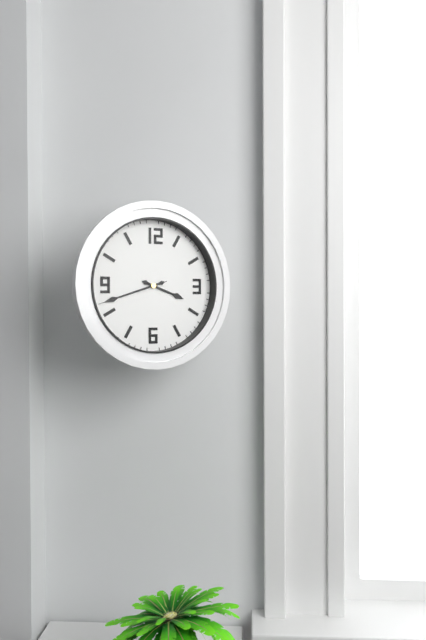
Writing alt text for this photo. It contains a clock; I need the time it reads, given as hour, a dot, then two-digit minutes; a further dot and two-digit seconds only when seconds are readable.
3.42.42
